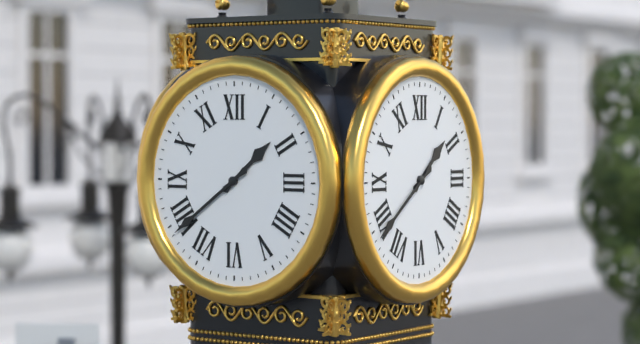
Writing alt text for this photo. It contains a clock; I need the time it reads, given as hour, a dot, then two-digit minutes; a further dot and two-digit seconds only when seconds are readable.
1.39
